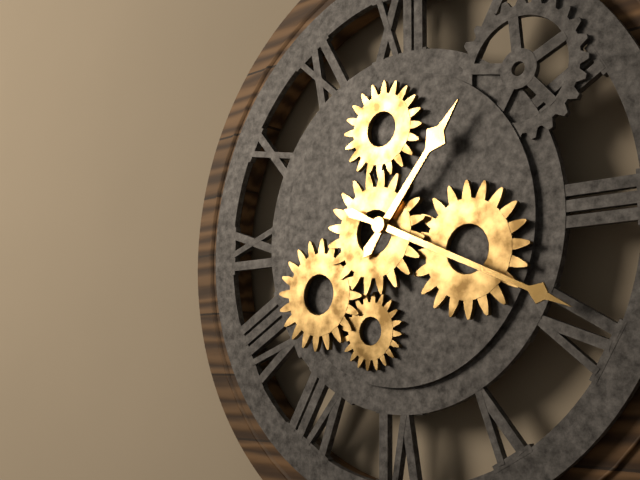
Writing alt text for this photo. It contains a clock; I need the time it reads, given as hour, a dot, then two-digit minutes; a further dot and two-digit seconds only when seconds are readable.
1.19
